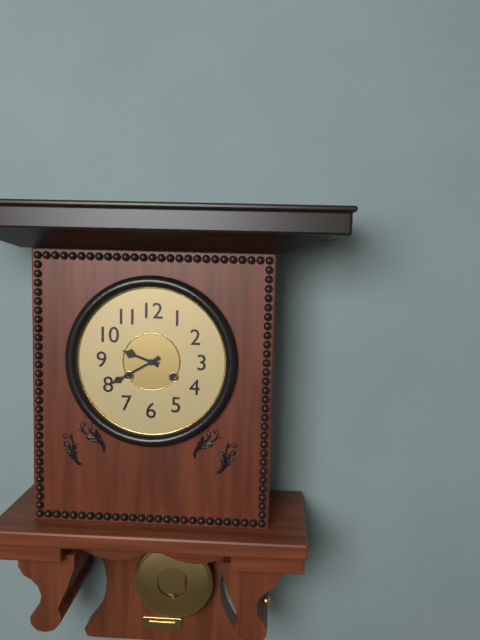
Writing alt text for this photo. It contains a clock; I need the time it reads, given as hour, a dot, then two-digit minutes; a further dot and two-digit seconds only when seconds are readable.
9.40
